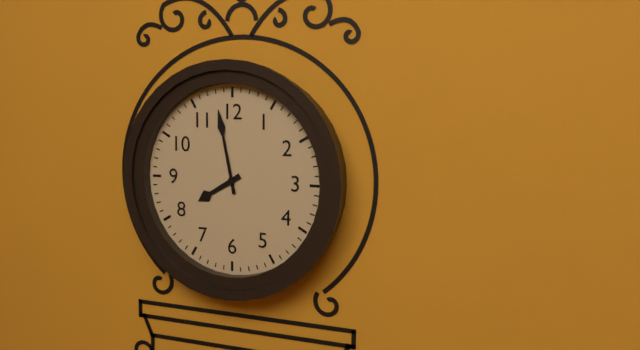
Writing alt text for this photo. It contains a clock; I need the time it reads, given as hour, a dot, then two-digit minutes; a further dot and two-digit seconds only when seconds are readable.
7.58
